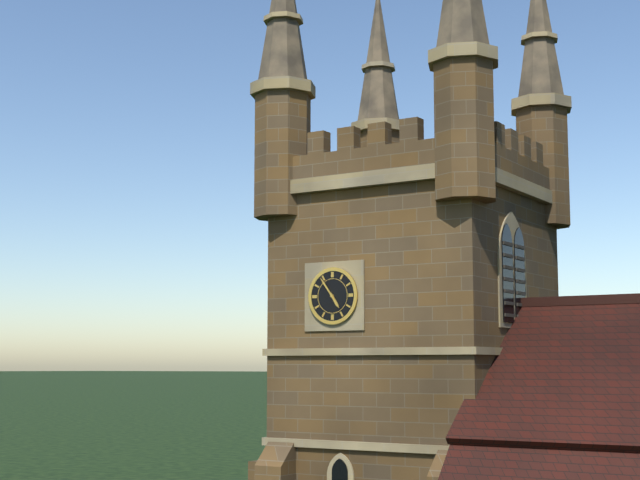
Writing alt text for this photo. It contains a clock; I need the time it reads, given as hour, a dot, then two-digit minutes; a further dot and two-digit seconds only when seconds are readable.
4.54
